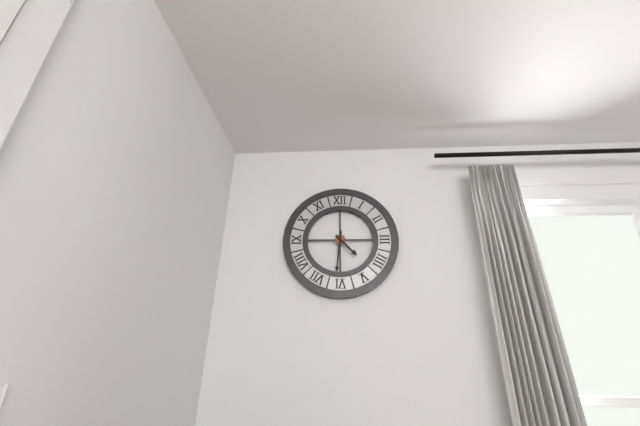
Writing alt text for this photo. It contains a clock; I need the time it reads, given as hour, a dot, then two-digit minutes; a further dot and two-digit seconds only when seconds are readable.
4.31
